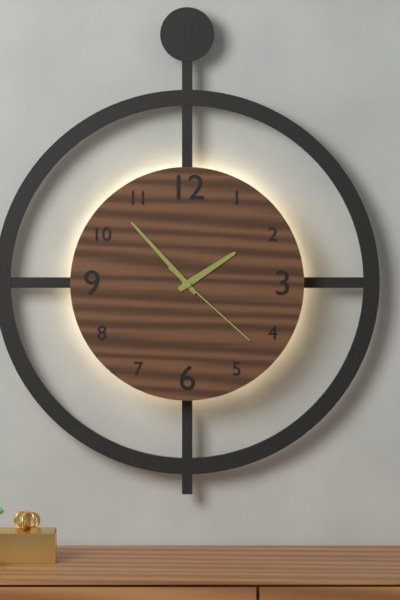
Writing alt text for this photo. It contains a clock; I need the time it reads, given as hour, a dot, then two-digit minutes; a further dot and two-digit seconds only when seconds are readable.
1.53.22
